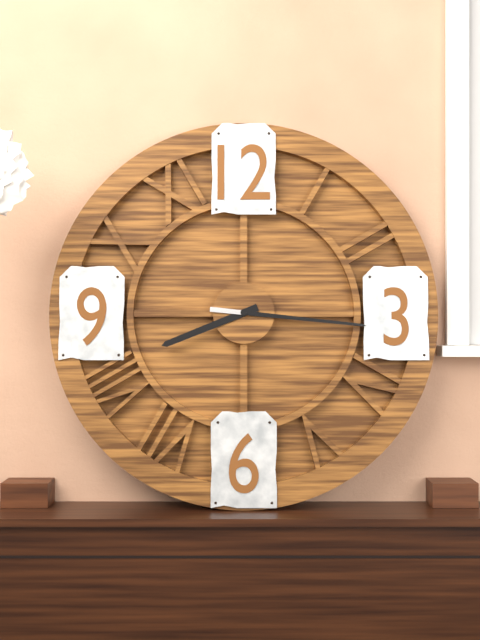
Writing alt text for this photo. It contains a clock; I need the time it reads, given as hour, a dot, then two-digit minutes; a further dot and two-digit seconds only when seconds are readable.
8.16
